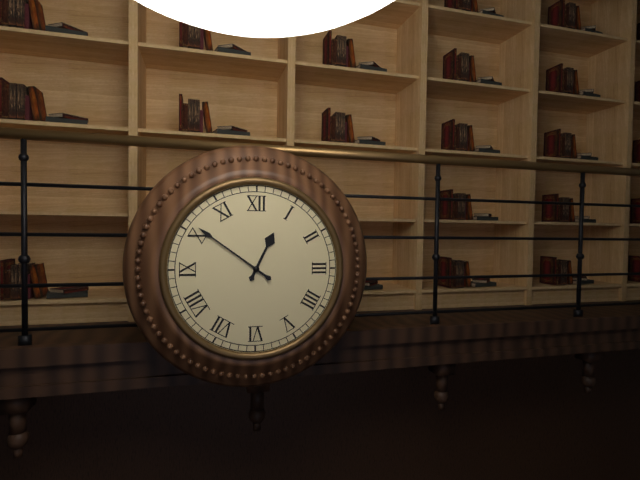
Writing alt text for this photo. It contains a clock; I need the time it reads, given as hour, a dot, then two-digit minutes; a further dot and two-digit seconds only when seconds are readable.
12.51
